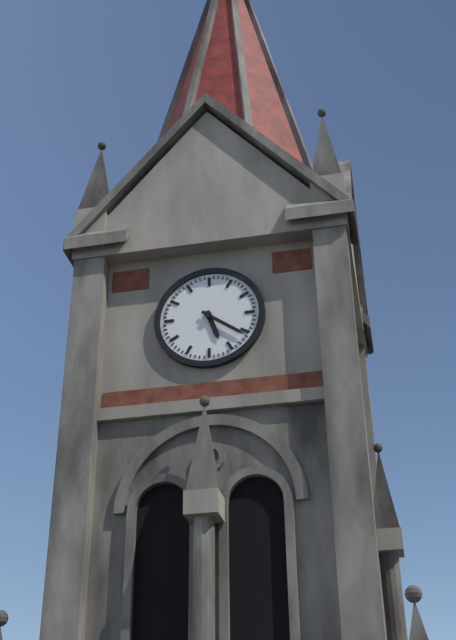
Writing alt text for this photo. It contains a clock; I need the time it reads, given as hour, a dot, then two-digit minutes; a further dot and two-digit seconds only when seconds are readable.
5.21
